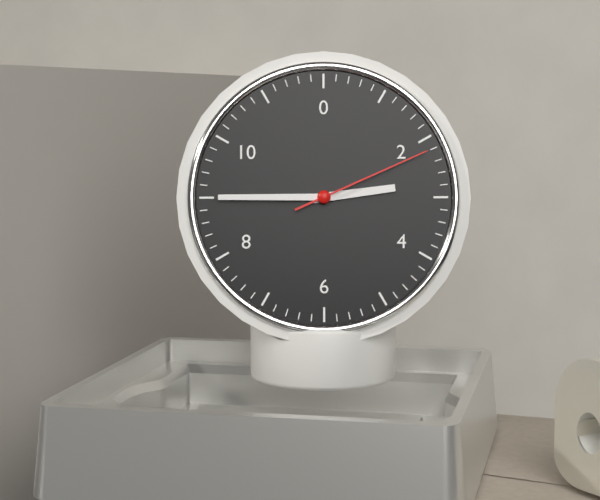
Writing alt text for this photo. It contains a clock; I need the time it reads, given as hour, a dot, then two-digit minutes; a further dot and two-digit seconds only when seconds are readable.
2.45.11
